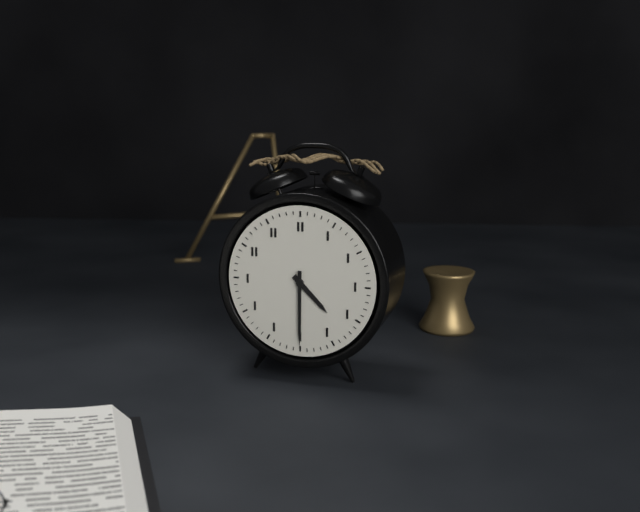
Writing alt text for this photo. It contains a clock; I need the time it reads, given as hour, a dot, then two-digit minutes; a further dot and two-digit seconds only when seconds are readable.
4.30
